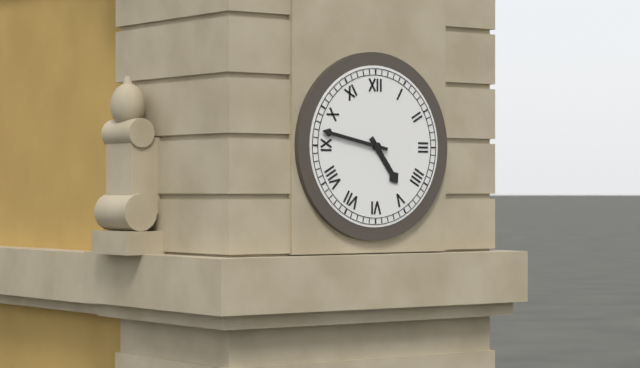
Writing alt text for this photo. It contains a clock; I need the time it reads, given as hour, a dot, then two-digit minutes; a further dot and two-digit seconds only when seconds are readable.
4.47
